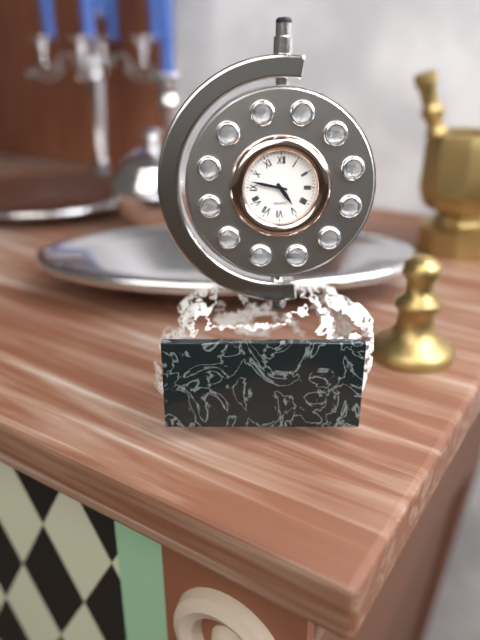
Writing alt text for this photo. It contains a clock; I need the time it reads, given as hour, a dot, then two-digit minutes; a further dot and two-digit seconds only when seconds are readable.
4.47
